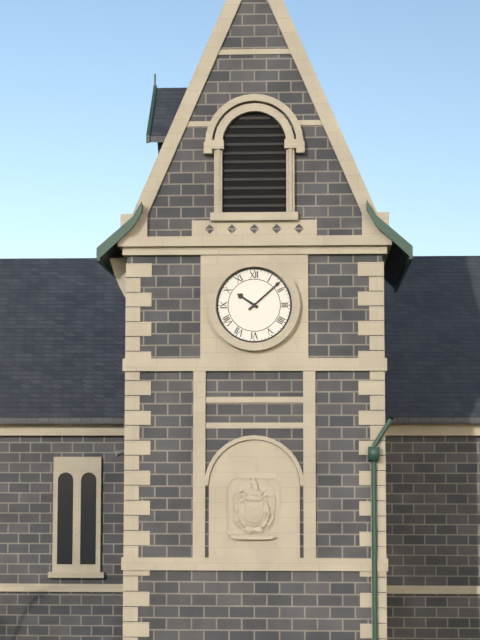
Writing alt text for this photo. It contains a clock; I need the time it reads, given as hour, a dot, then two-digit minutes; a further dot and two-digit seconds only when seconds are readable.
10.08
